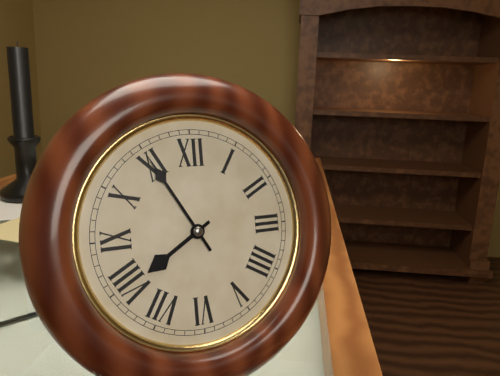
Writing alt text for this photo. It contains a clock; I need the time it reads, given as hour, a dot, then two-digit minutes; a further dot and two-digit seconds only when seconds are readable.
7.55
